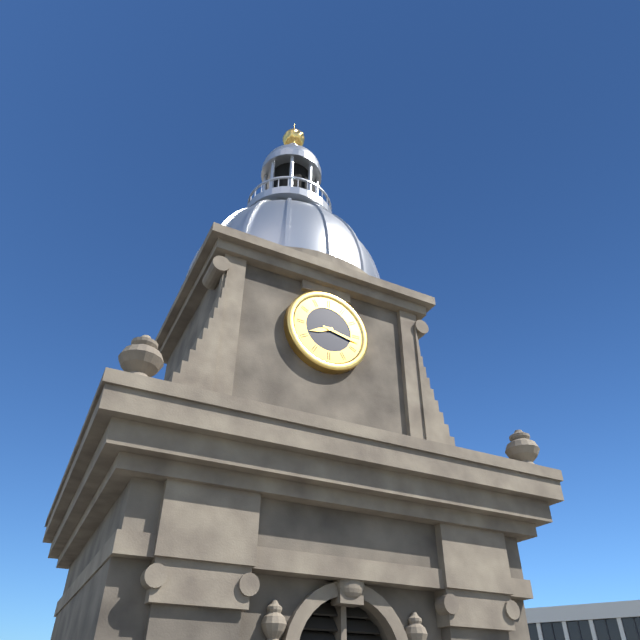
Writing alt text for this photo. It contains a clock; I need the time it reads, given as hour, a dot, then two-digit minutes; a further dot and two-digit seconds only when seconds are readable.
8.17
